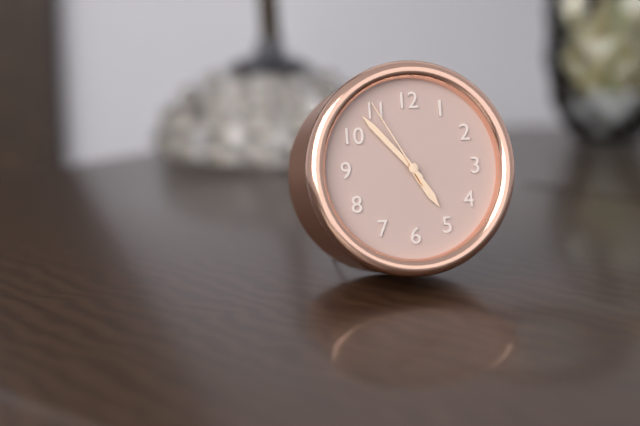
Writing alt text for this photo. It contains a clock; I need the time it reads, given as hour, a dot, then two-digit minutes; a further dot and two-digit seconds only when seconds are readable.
4.53.55
